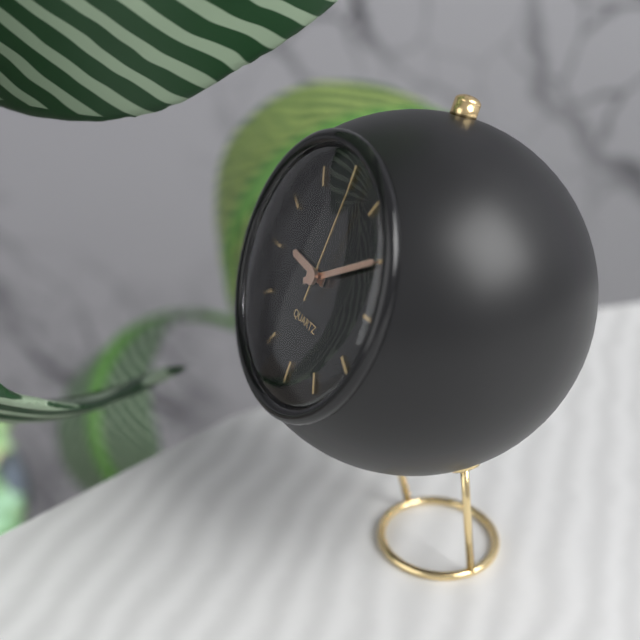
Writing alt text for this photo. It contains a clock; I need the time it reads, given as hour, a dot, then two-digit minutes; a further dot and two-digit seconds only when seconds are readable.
9.10.01
